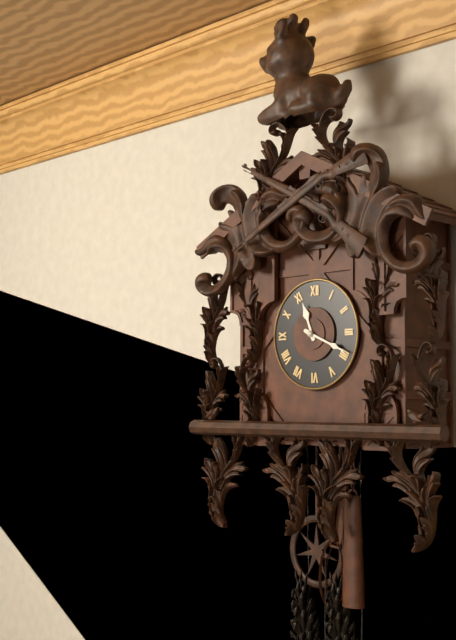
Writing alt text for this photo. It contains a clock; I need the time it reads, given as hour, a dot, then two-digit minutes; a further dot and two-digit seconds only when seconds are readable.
11.19
